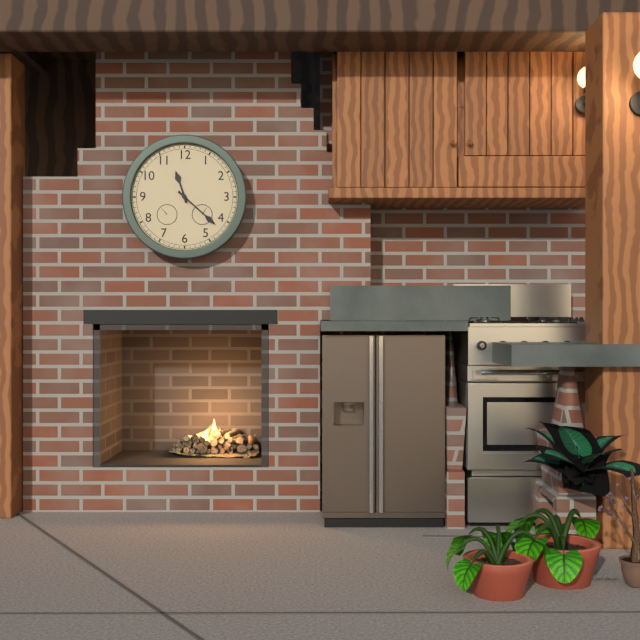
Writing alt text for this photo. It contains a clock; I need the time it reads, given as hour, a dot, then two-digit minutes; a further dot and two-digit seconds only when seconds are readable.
11.22
